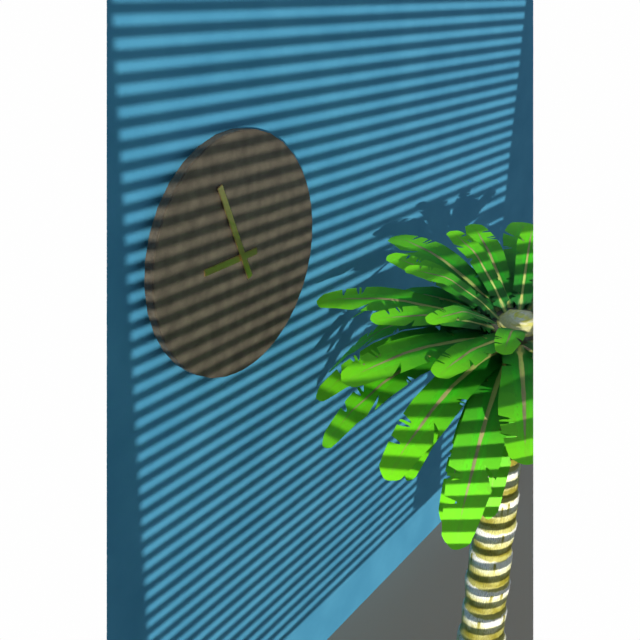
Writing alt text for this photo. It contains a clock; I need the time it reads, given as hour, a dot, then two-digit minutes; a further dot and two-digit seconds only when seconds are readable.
8.56
